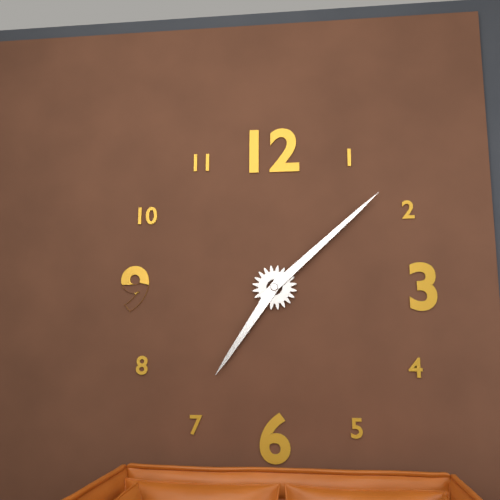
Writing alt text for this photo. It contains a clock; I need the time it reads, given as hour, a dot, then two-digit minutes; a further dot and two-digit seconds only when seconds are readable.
7.08
